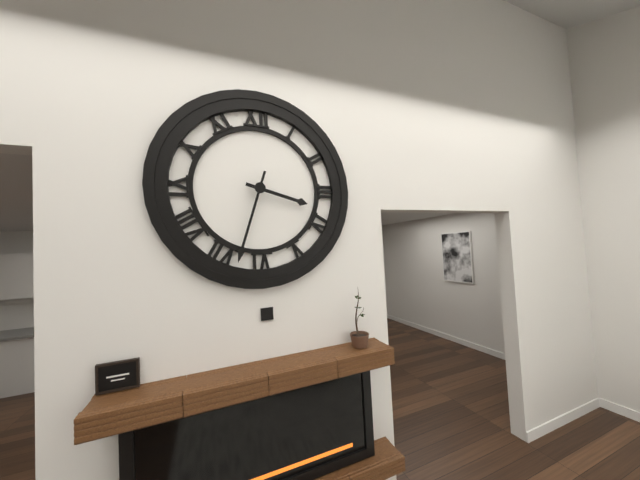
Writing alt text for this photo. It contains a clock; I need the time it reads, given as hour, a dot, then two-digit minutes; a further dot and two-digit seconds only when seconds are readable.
3.33
